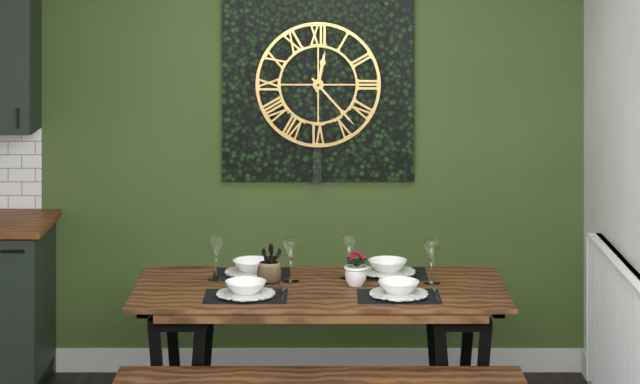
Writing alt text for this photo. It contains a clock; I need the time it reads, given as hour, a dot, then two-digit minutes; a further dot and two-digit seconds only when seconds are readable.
12.23
